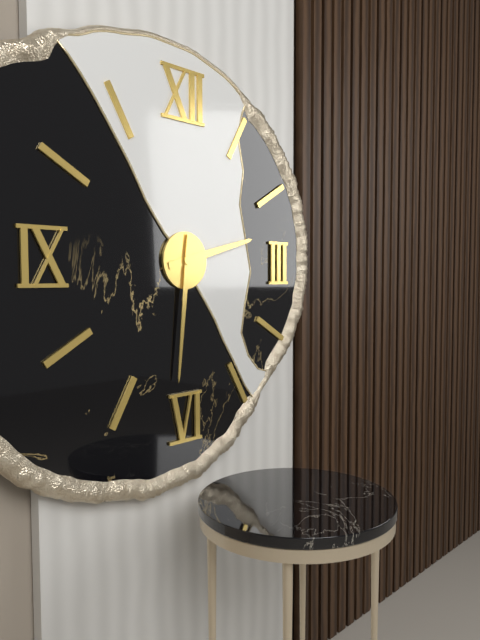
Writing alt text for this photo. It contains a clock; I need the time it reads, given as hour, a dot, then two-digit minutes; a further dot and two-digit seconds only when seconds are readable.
2.31
